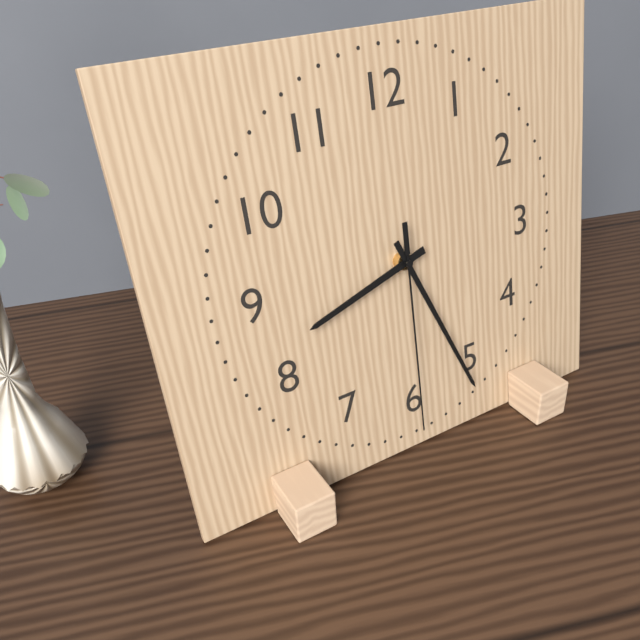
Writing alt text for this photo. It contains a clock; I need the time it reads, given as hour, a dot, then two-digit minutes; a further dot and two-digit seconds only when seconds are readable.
8.26.30
